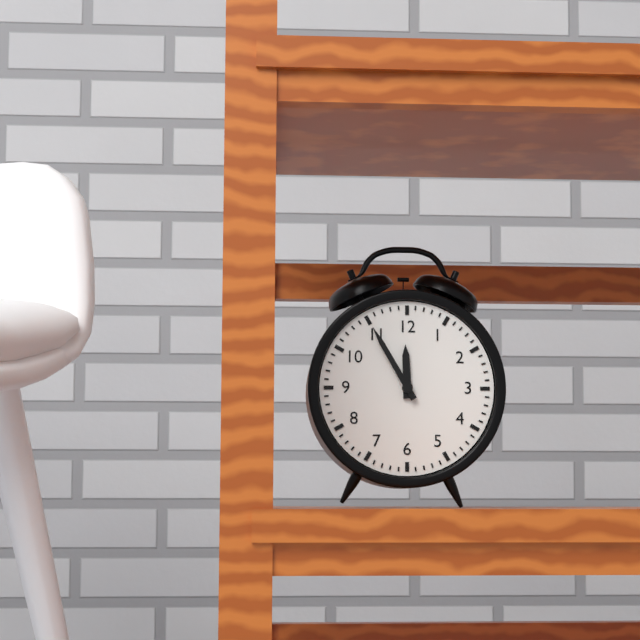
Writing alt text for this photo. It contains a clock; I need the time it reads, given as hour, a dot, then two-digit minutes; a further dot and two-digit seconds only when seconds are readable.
11.55
